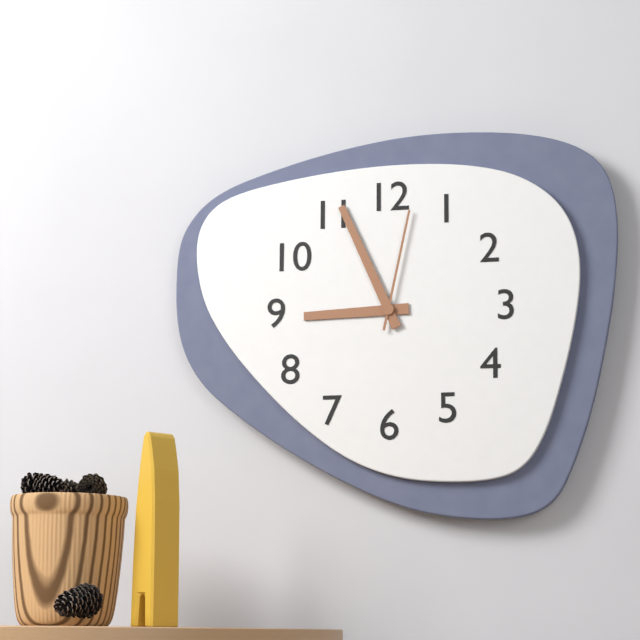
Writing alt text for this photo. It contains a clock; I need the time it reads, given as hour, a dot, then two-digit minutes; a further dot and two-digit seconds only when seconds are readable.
8.56.02
